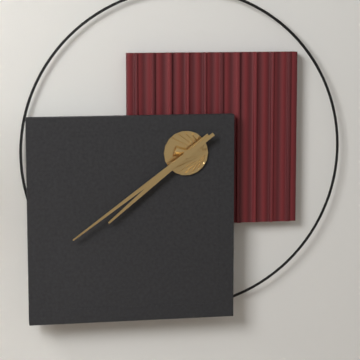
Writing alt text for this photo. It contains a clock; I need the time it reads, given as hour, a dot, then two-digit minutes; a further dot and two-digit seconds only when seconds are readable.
7.39
